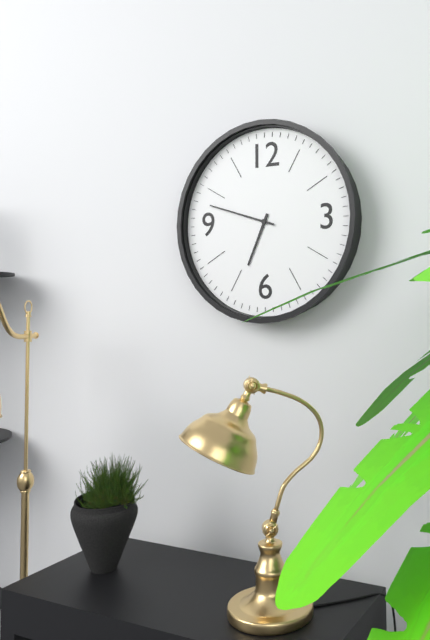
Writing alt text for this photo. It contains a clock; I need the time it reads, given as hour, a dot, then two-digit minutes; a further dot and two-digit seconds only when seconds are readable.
6.48
